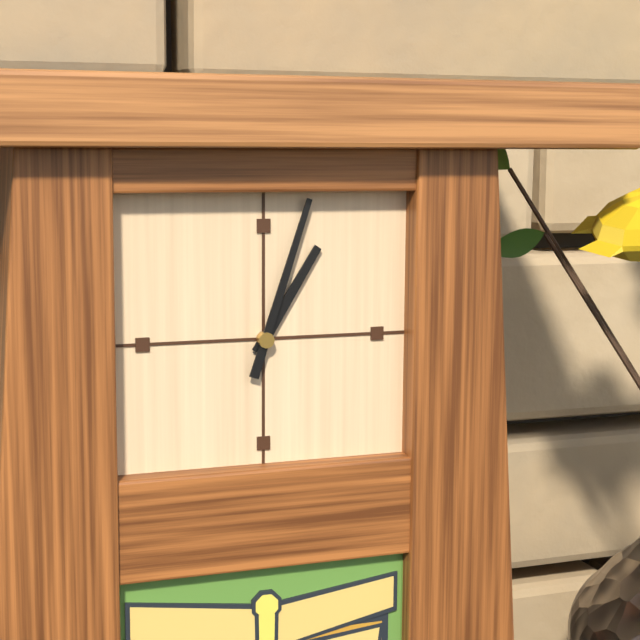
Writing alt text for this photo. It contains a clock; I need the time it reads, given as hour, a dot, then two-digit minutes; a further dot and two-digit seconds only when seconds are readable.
1.03
